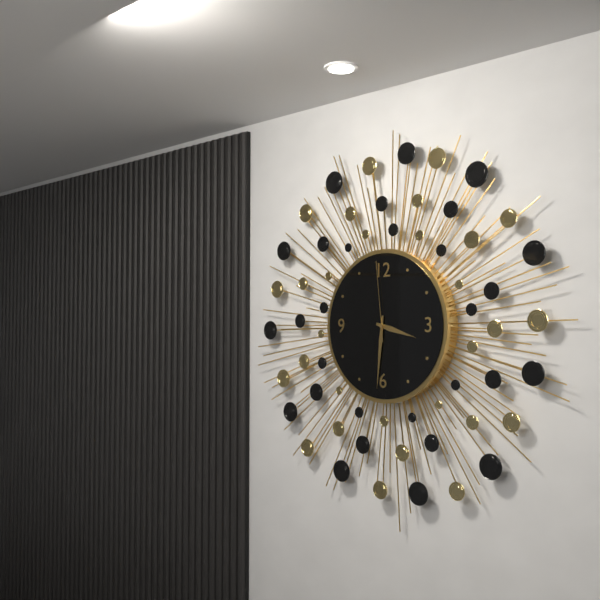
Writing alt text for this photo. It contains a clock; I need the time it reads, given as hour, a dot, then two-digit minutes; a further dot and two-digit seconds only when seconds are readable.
3.31.59
